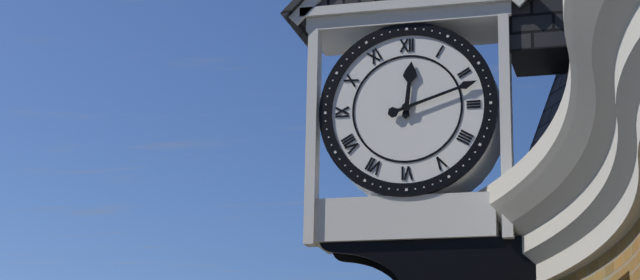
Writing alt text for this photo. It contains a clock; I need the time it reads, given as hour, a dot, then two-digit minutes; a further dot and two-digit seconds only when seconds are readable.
12.12
